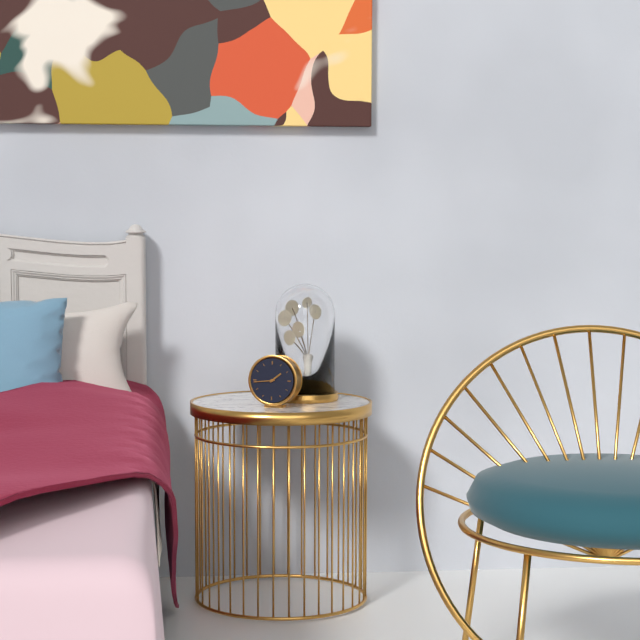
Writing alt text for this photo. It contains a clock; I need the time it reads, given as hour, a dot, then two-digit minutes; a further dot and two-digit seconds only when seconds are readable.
1.44
